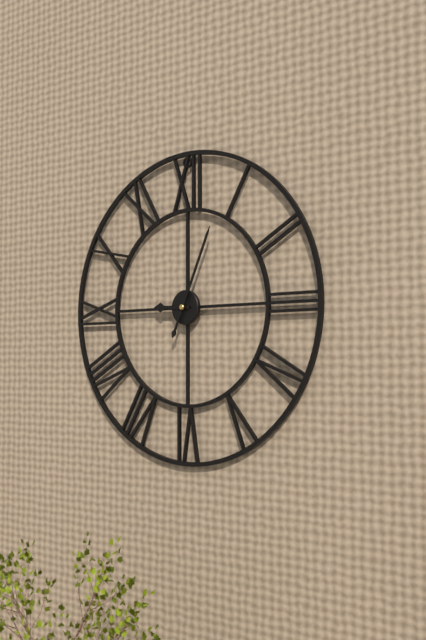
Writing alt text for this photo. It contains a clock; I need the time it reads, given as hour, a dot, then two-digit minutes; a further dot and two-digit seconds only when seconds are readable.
9.04
